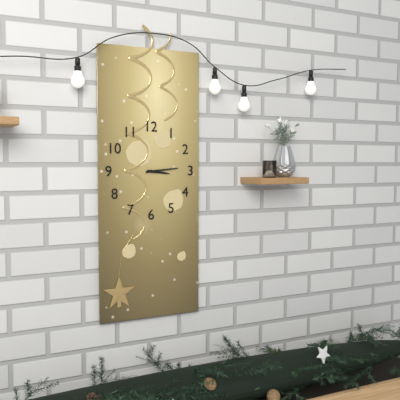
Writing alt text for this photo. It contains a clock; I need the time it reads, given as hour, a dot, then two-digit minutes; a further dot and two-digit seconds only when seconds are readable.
3.14
